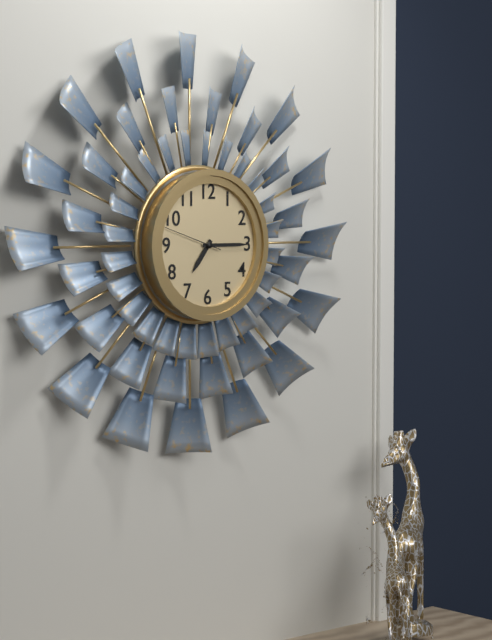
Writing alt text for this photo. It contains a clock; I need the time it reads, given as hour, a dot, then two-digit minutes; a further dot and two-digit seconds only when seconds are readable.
7.15.48
